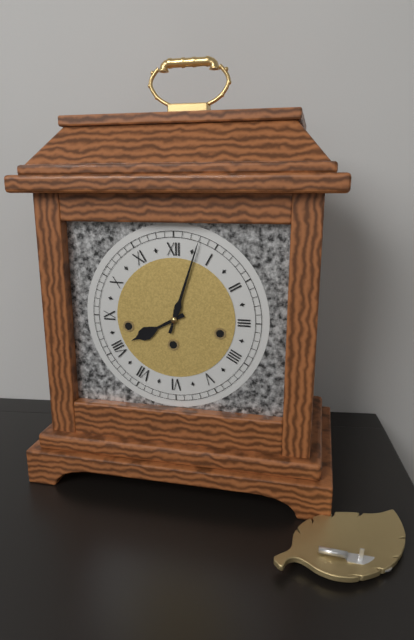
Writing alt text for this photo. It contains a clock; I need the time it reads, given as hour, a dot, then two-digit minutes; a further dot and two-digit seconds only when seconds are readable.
8.03
